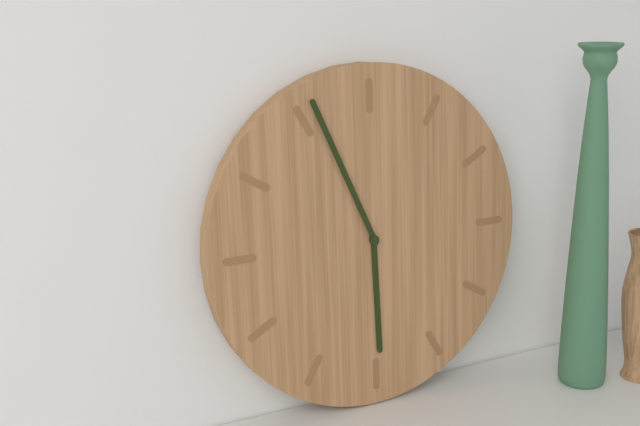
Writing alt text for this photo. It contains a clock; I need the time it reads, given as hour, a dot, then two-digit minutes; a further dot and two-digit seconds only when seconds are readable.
5.56
